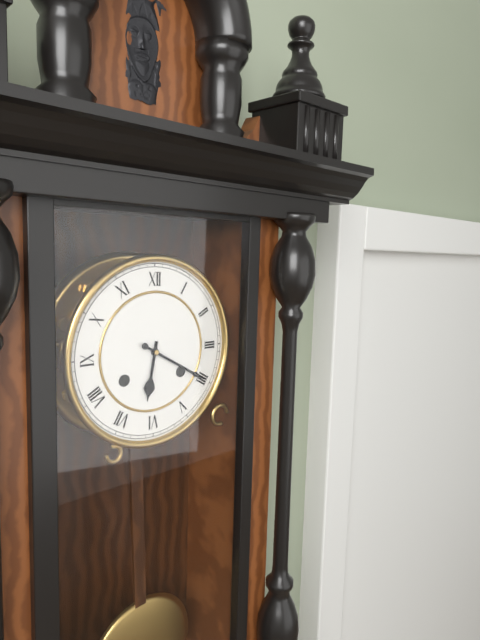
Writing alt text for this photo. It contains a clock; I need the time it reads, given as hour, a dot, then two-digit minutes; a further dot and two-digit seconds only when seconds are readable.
6.20
